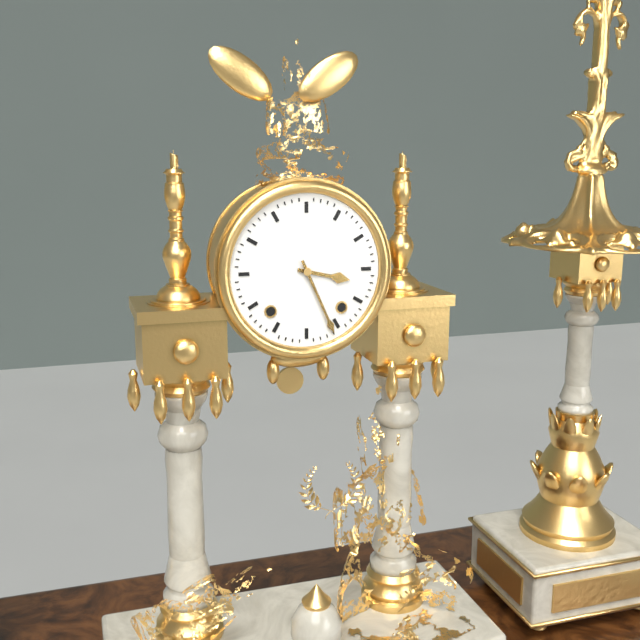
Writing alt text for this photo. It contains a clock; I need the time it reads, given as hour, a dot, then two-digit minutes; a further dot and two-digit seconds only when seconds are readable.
3.26
